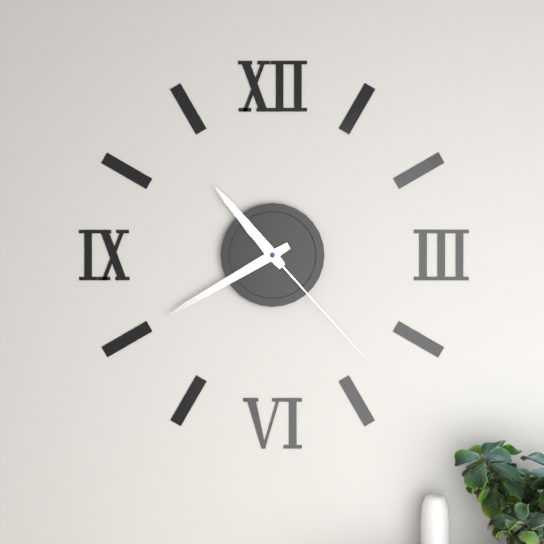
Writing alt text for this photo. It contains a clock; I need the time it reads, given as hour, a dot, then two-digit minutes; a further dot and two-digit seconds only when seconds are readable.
10.40.23
